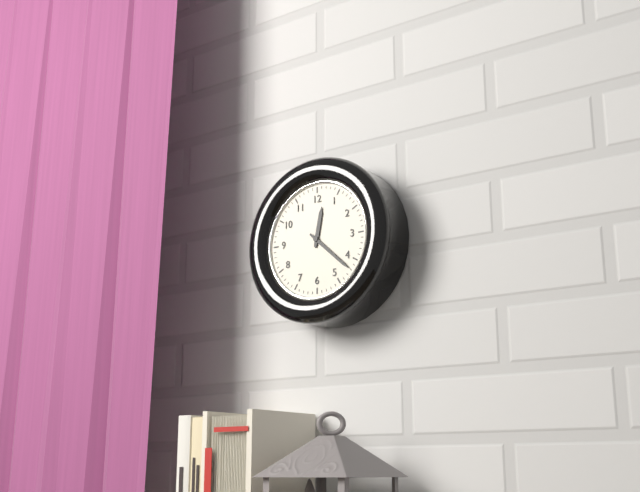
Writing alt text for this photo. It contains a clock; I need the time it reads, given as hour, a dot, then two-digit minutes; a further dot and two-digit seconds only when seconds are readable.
12.22
